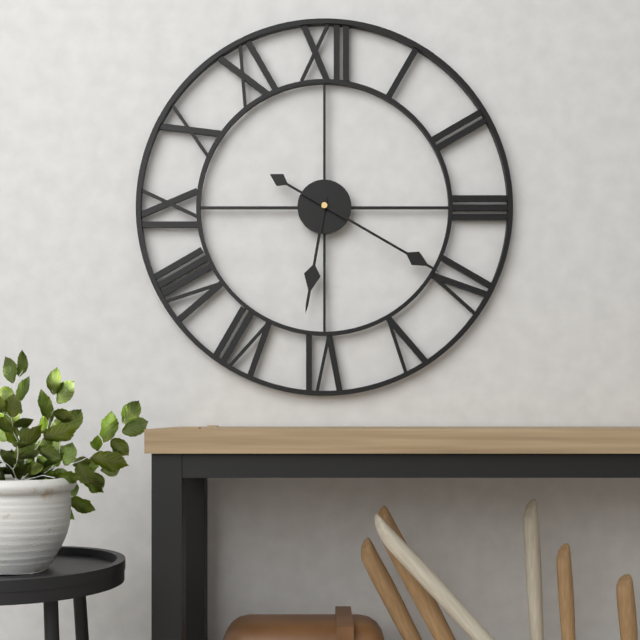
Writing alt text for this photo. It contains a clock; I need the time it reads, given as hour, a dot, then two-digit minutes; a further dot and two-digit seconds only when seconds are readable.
6.20
